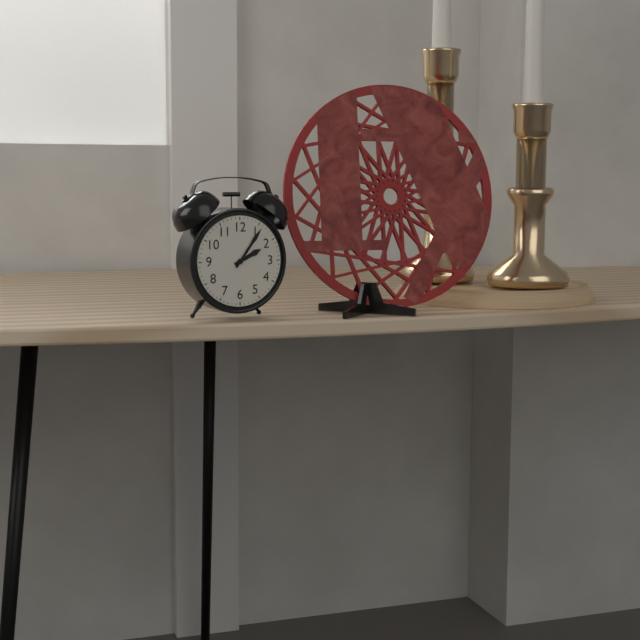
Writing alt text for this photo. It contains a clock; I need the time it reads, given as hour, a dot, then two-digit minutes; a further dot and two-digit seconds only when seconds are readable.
2.06
